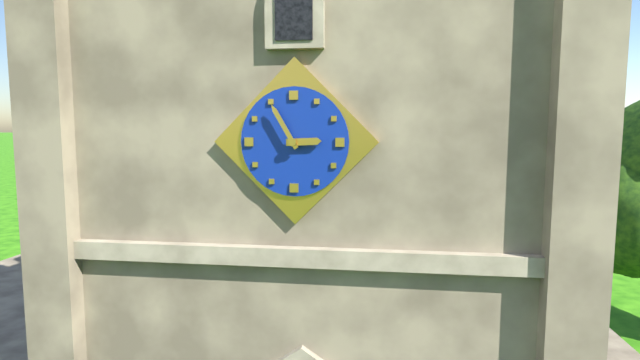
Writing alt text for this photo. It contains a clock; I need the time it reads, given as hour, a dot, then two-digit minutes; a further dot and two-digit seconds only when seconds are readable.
2.55
